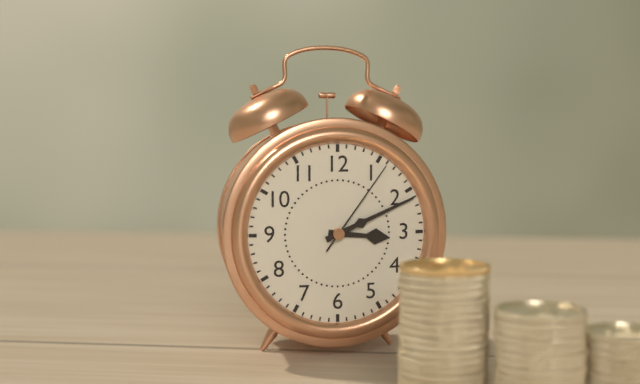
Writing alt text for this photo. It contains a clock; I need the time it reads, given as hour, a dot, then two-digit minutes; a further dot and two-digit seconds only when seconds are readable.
3.11.06
